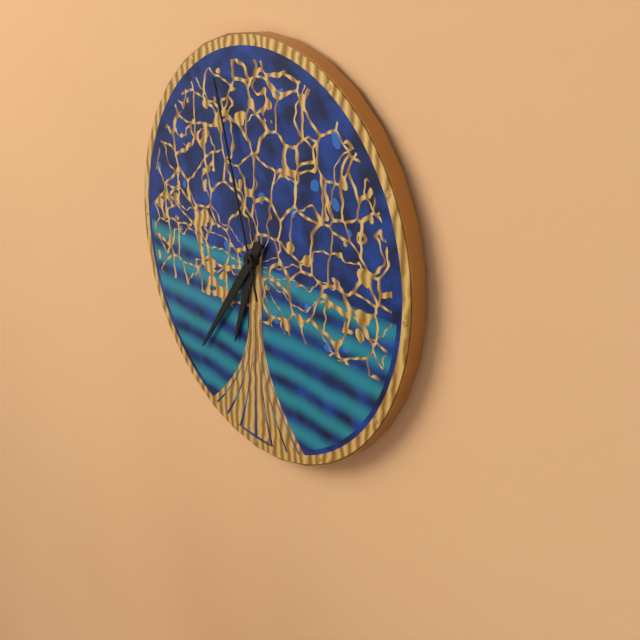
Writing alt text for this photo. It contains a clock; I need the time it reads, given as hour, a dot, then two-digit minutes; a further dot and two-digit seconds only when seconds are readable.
6.36.57
